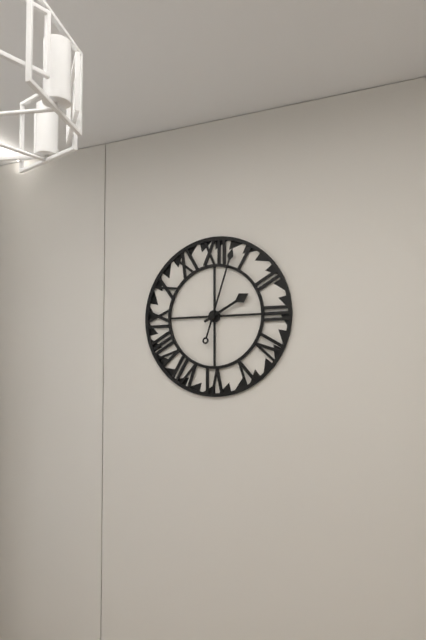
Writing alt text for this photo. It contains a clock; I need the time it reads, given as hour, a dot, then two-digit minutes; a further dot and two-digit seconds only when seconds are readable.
2.03
